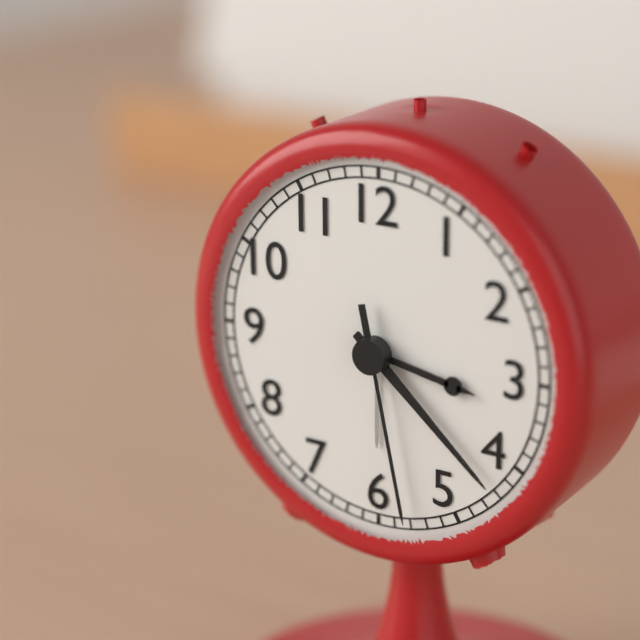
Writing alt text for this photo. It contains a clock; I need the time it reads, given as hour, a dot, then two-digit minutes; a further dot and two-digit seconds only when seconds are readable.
3.22.28
